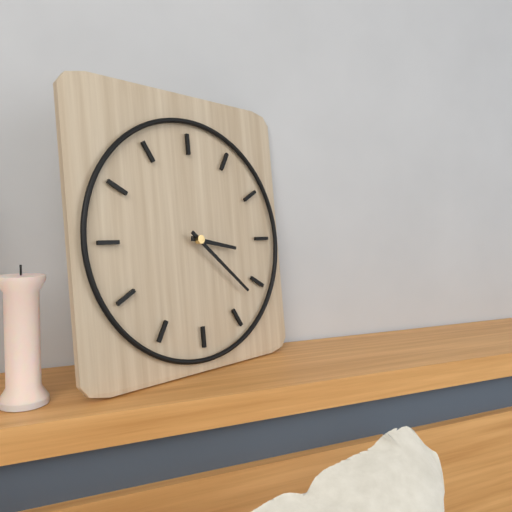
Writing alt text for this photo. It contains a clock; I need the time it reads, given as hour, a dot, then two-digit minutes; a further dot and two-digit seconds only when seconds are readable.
3.22
